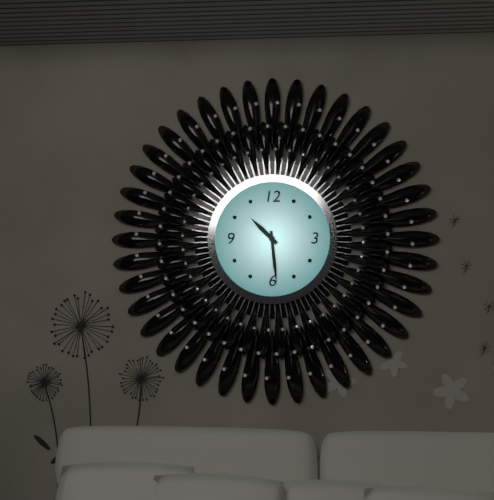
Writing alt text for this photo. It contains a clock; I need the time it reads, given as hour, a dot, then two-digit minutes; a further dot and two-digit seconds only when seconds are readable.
10.29
